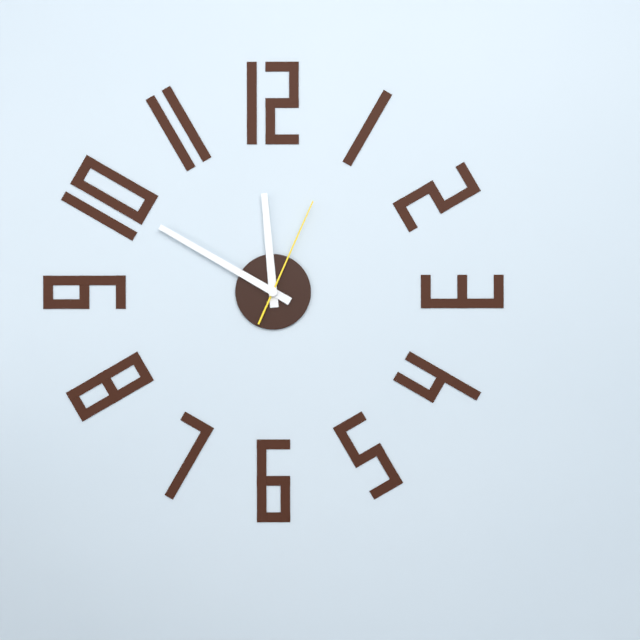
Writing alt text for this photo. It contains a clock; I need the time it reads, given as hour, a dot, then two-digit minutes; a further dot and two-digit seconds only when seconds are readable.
11.50.04
